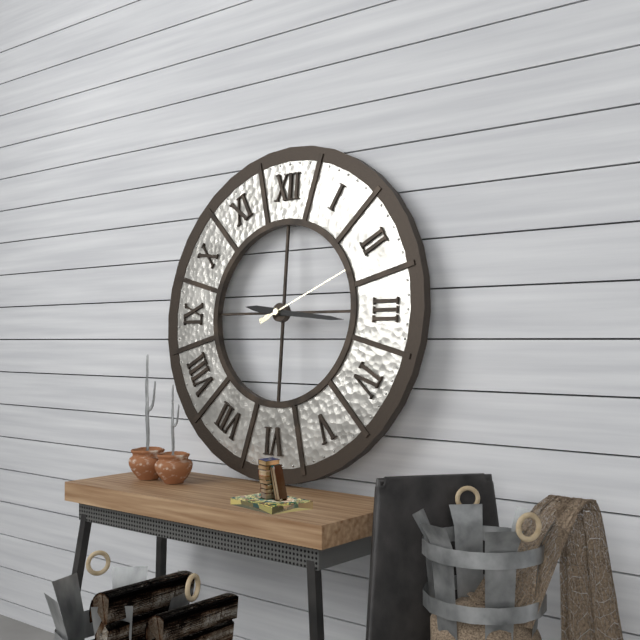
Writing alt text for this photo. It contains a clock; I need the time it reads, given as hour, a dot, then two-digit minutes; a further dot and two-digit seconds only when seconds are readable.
9.16.11
